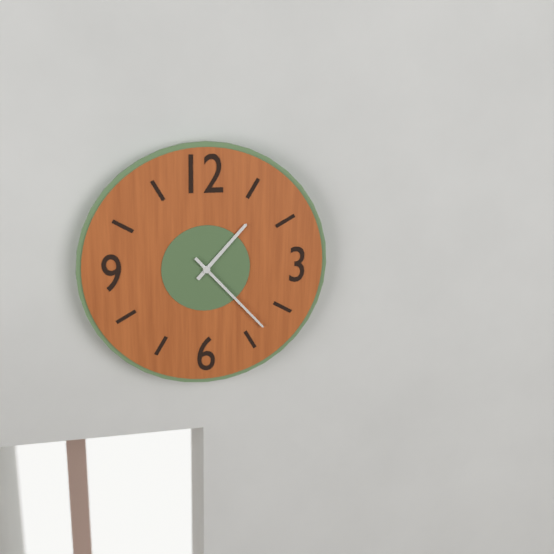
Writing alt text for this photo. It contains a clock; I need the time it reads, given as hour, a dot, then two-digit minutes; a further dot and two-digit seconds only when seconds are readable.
1.23
